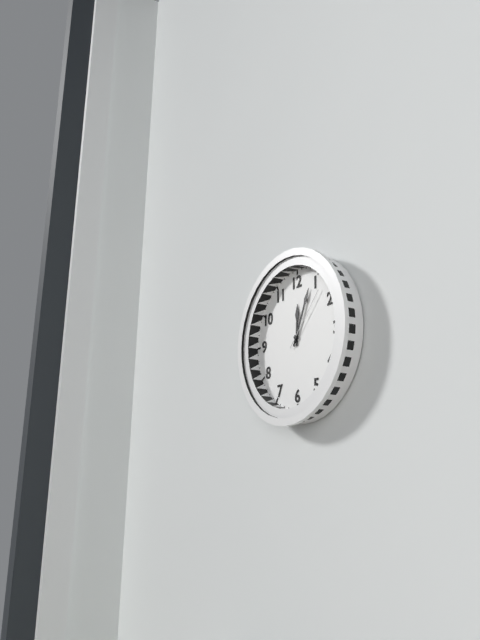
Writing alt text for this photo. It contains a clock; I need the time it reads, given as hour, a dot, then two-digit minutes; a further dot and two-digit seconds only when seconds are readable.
12.04.07
